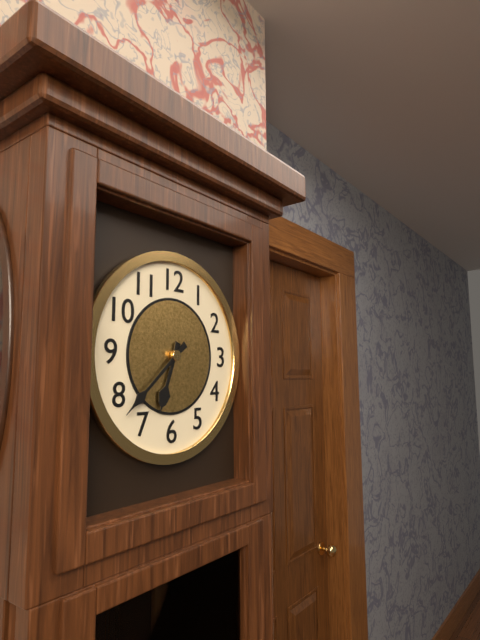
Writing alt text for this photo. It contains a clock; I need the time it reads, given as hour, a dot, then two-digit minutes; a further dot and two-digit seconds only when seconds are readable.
6.38
